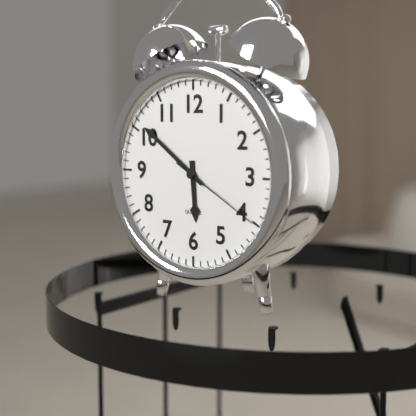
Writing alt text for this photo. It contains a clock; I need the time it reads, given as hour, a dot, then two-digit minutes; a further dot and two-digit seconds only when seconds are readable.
5.51.20
